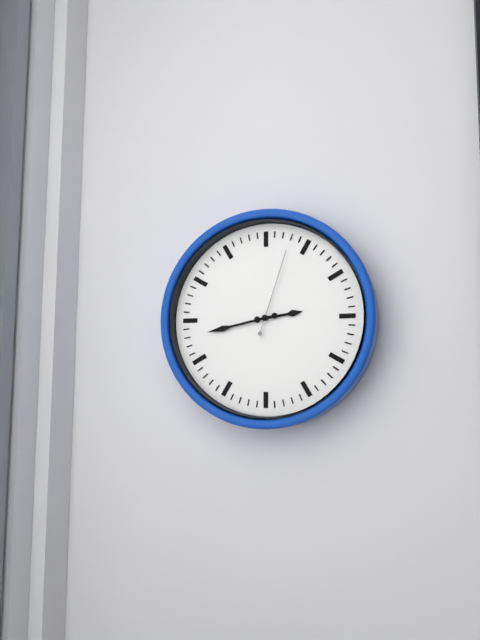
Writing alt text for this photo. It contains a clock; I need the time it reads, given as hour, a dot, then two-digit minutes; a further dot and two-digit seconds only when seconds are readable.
2.43.03
